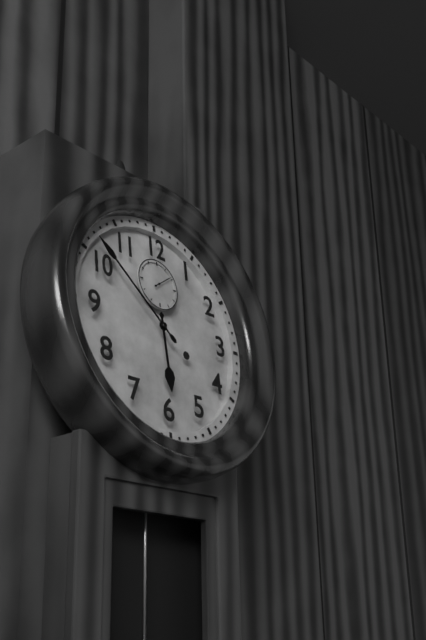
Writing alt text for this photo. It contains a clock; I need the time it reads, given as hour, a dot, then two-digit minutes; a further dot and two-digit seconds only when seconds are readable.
5.52
